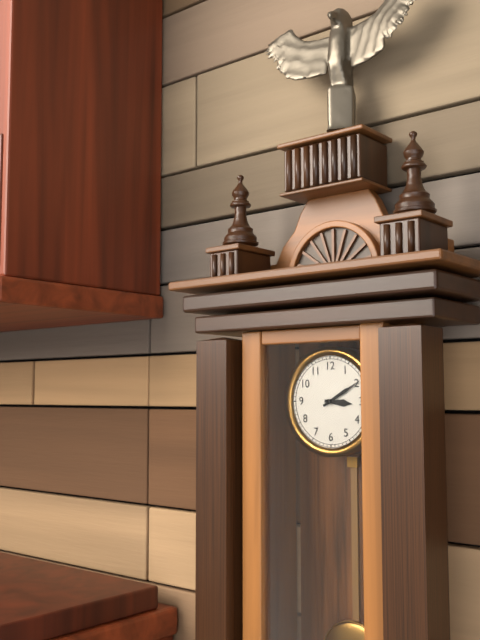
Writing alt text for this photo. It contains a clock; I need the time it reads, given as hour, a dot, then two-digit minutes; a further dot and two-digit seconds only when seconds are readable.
3.10
